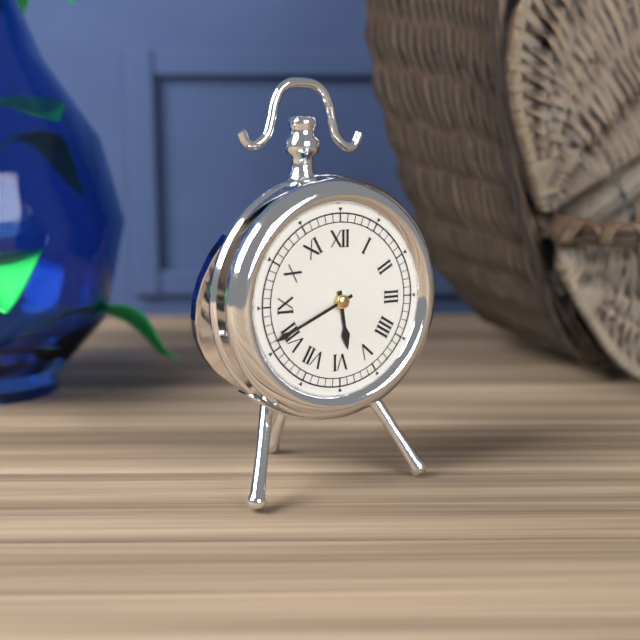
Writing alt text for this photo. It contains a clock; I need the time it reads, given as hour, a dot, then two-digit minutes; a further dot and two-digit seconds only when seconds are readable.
5.41
